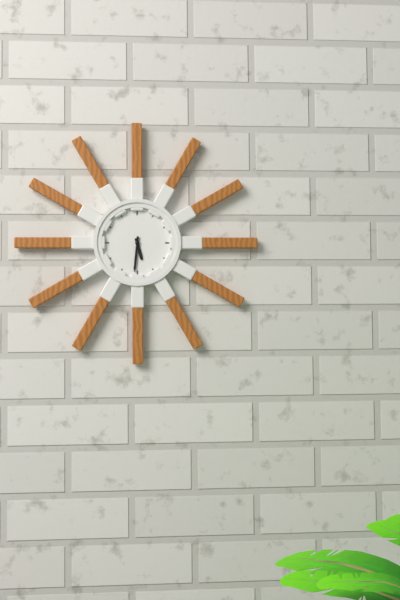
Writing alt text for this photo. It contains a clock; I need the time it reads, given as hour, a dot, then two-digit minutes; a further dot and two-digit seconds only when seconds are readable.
5.31
